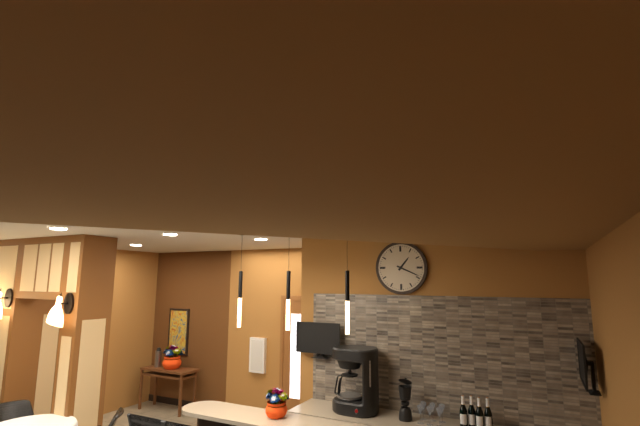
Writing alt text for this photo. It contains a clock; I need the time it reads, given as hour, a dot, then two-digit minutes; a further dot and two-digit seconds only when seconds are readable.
1.19
